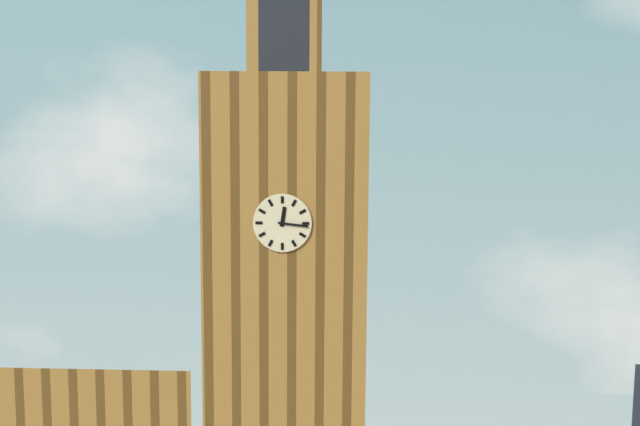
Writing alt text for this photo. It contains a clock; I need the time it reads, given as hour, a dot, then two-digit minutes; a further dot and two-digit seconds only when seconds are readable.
12.16
